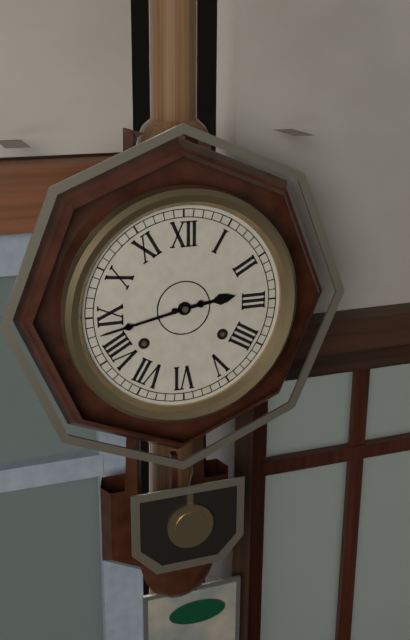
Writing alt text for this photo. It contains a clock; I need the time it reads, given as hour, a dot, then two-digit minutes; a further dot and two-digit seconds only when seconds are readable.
2.43
